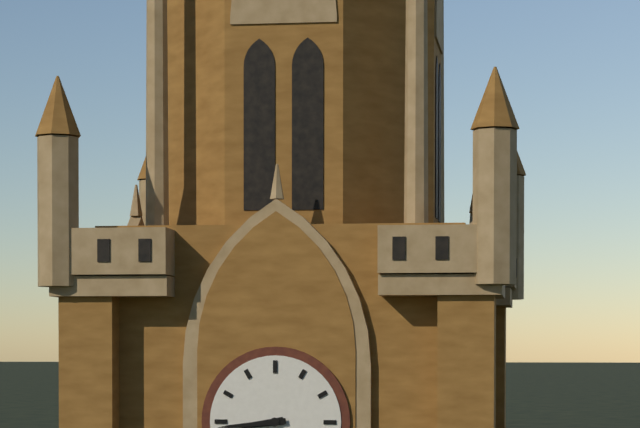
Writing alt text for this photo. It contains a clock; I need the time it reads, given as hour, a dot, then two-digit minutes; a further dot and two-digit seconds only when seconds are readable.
8.44
